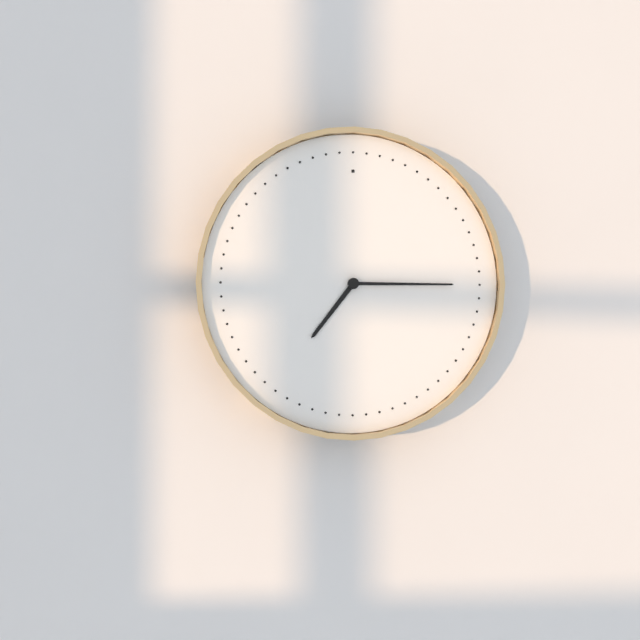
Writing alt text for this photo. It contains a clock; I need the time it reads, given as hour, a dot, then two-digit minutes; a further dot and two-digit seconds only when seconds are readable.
7.15
